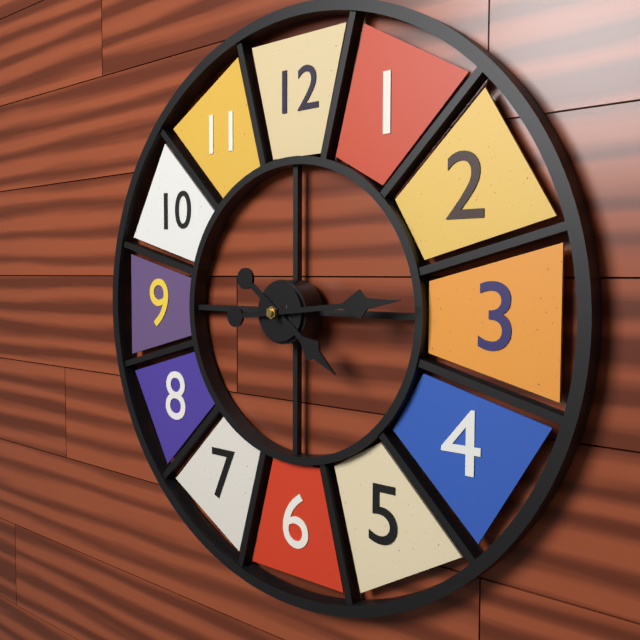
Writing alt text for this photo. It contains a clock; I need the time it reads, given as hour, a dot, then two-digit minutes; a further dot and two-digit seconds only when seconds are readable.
4.14
